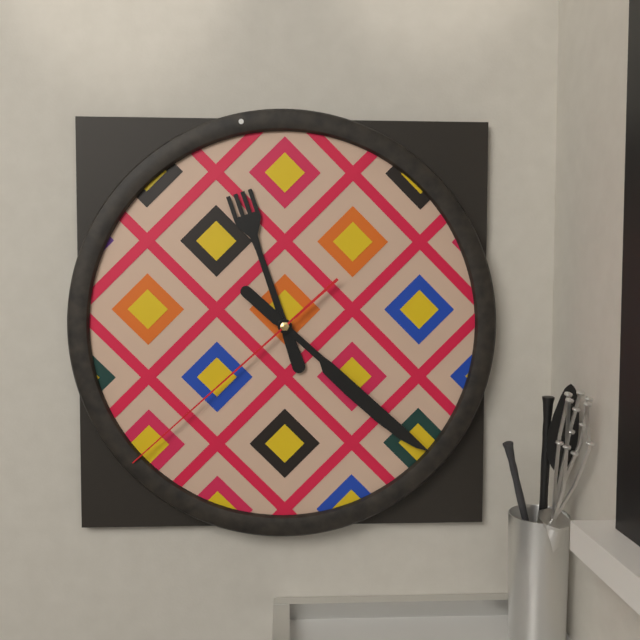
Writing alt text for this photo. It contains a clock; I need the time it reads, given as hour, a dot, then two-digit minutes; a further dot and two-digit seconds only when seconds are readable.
11.22.38
